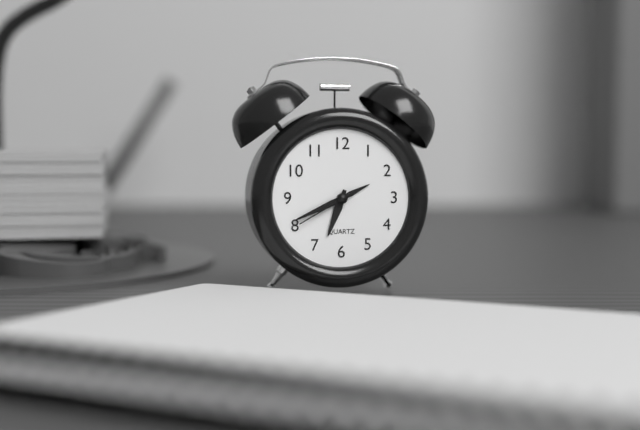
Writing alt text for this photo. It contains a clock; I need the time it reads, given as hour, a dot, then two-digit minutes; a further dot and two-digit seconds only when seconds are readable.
6.41.40
